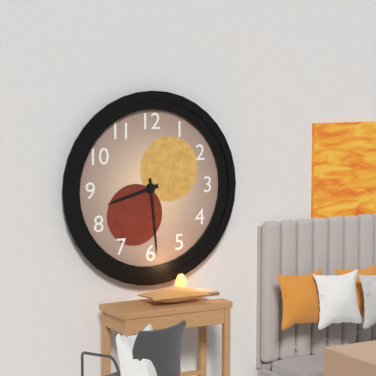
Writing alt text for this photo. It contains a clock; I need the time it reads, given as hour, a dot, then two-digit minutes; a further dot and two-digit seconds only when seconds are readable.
8.29
